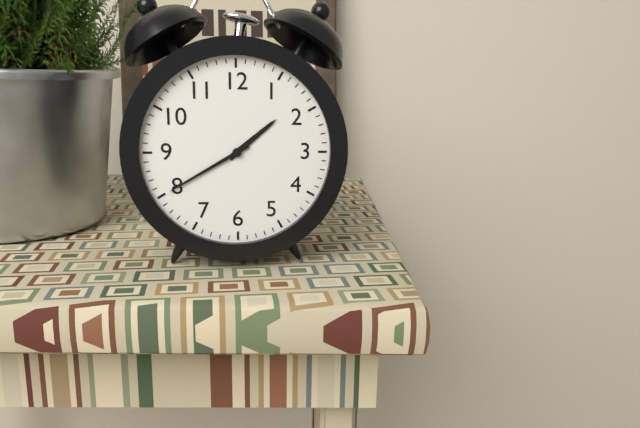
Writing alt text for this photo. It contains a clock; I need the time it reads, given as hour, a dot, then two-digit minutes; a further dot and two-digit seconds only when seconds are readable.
1.40
